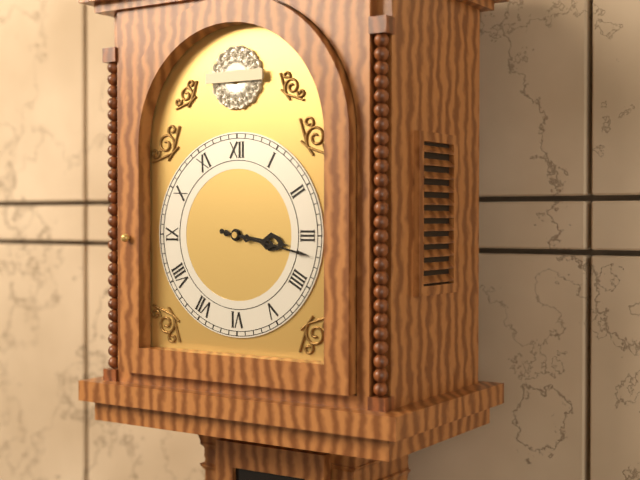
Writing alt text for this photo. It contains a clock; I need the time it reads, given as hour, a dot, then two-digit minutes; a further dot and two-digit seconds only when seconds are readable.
3.17
